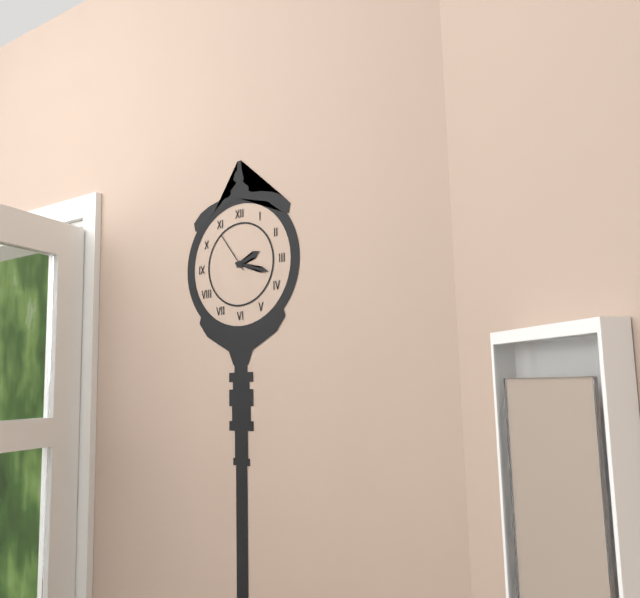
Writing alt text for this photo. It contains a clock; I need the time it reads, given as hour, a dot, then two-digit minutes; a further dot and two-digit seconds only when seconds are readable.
2.18
